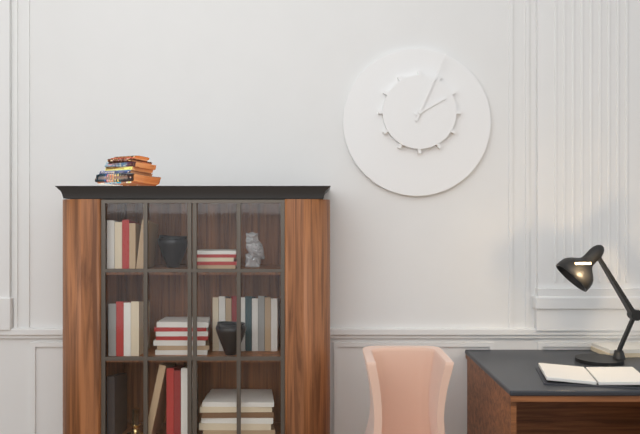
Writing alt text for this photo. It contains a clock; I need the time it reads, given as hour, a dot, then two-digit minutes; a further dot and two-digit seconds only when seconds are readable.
2.04
